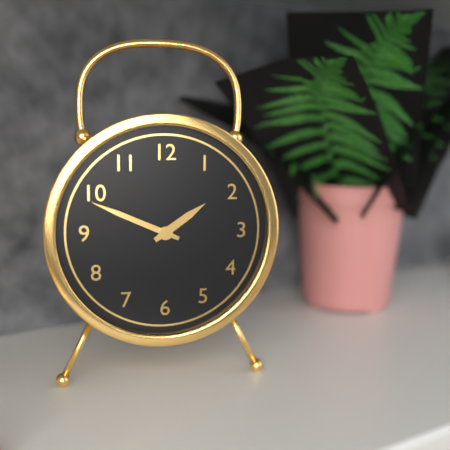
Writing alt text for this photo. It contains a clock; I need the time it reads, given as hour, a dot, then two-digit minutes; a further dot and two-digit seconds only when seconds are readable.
1.49
